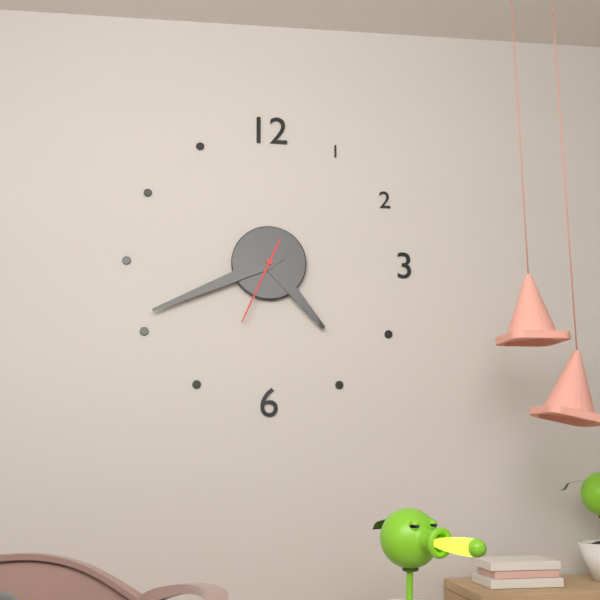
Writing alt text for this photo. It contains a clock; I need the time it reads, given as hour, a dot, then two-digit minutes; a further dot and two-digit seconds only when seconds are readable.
4.41.34
